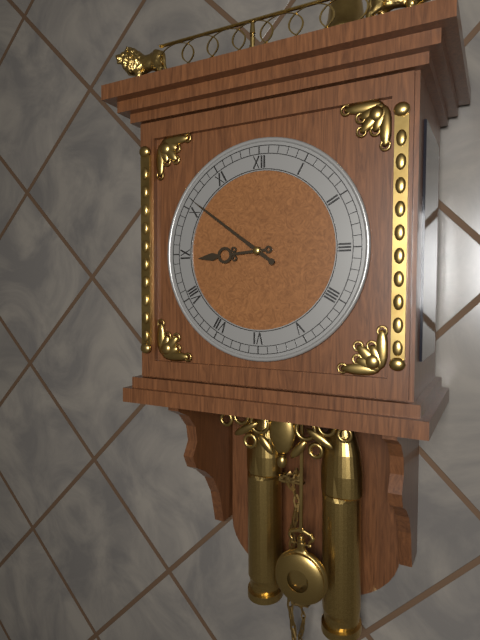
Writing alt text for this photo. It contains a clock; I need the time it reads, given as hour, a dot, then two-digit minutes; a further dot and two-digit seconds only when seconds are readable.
8.51
